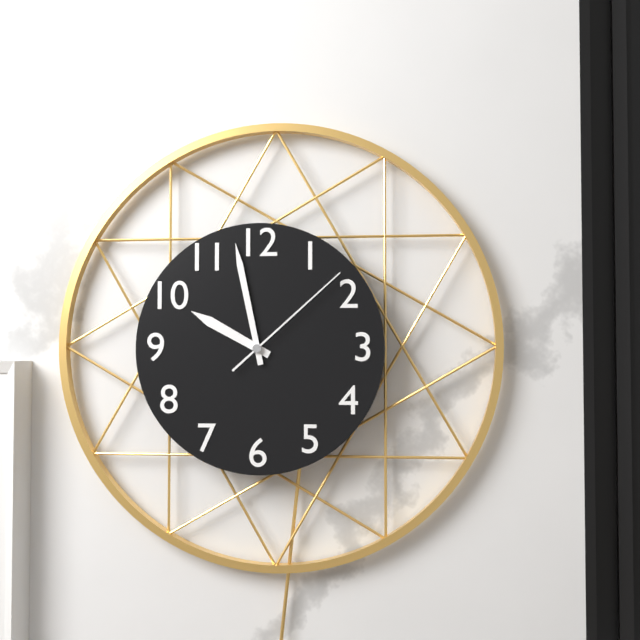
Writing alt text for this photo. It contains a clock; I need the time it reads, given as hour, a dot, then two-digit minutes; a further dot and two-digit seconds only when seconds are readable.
9.58.08
